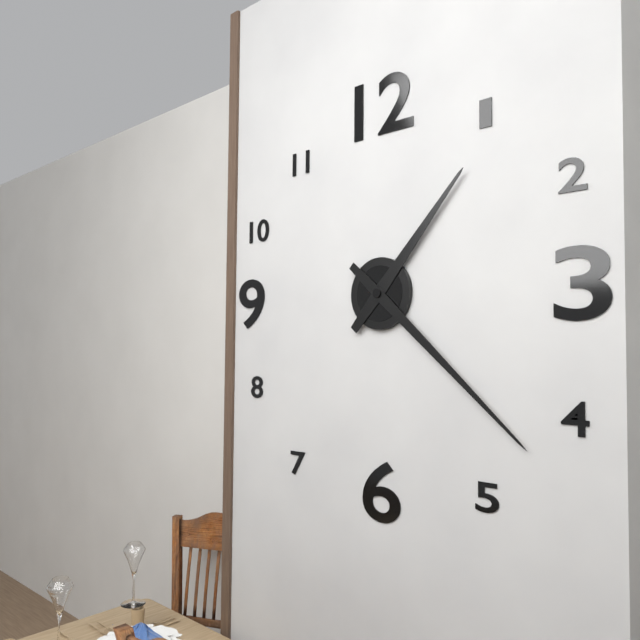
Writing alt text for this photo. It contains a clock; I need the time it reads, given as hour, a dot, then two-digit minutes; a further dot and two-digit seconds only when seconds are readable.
1.22
